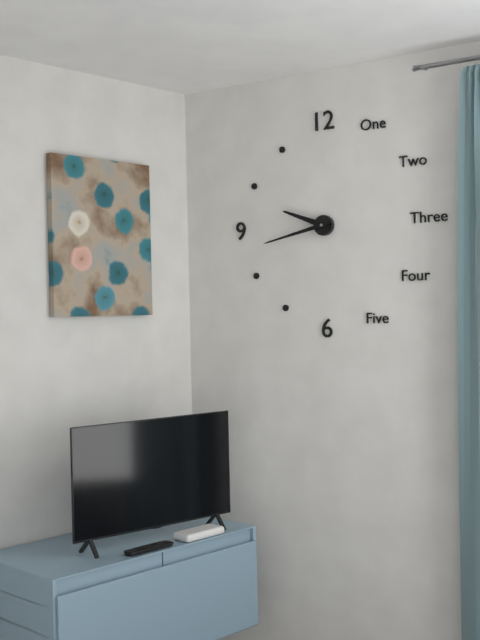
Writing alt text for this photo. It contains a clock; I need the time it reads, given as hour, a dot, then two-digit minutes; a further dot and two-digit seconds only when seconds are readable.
9.43
